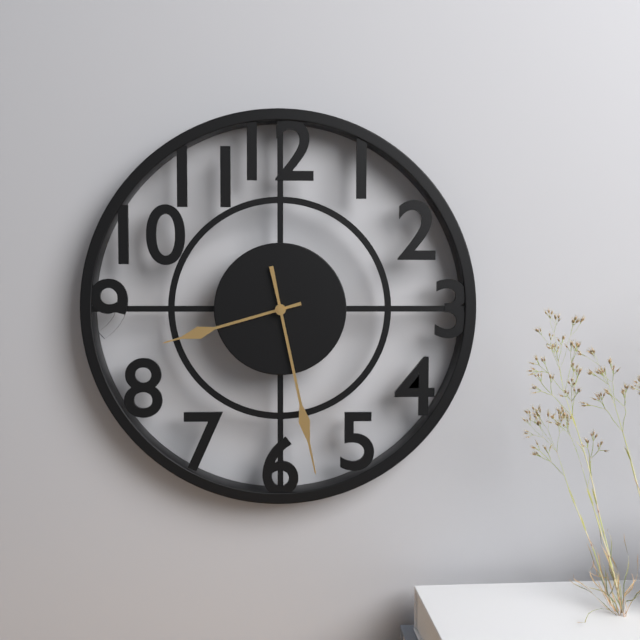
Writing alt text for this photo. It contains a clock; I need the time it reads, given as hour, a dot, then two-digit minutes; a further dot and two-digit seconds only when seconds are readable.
8.28
